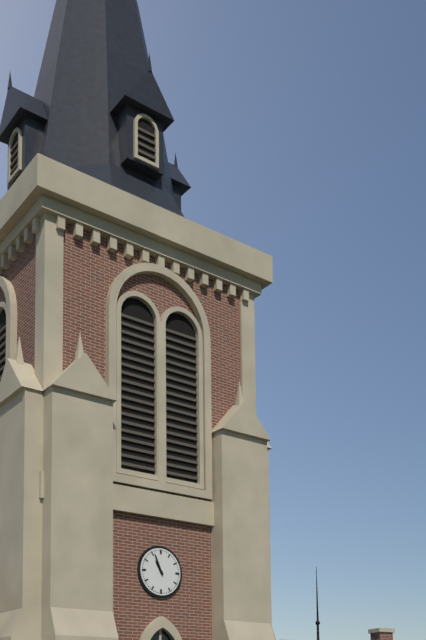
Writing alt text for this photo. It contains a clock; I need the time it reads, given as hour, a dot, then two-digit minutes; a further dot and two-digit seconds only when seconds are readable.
10.56
